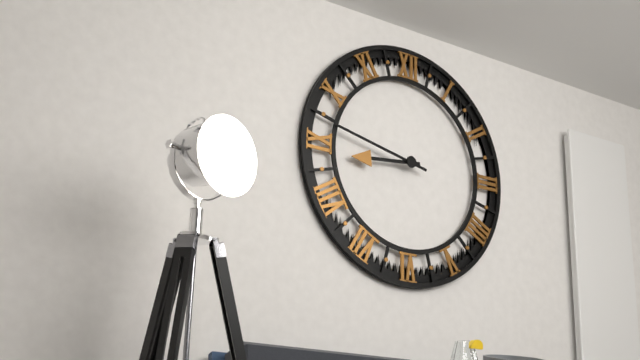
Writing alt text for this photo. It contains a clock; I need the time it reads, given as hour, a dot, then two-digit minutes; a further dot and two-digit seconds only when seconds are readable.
8.47
